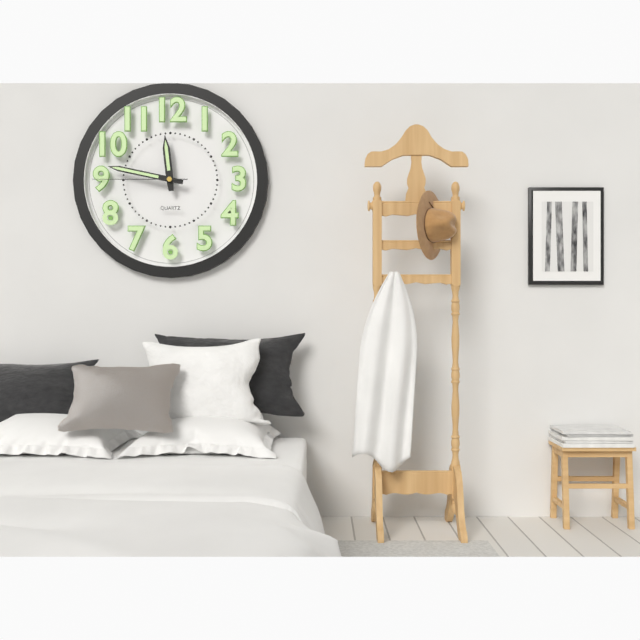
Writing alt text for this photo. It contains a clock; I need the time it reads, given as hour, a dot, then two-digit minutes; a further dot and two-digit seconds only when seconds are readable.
11.47.45
